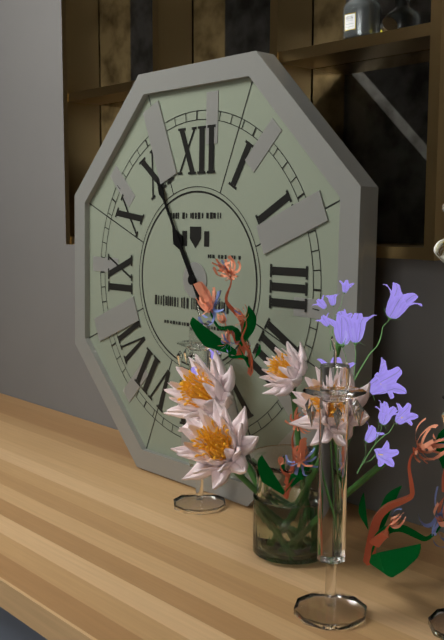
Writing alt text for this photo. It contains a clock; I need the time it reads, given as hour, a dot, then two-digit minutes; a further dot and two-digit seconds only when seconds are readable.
10.55
